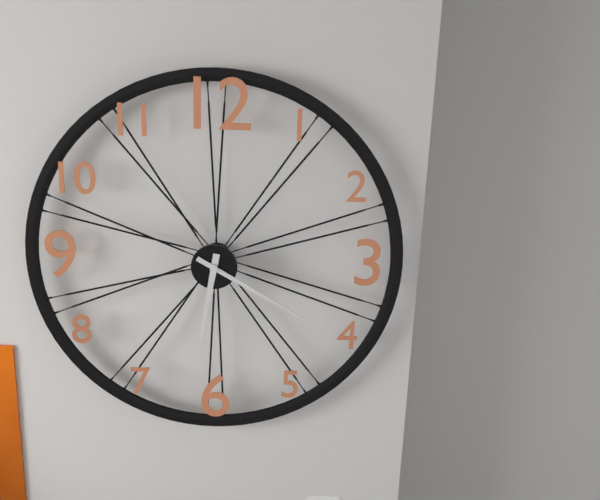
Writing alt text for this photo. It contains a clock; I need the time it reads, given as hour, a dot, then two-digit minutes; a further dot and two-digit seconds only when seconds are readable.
6.20
